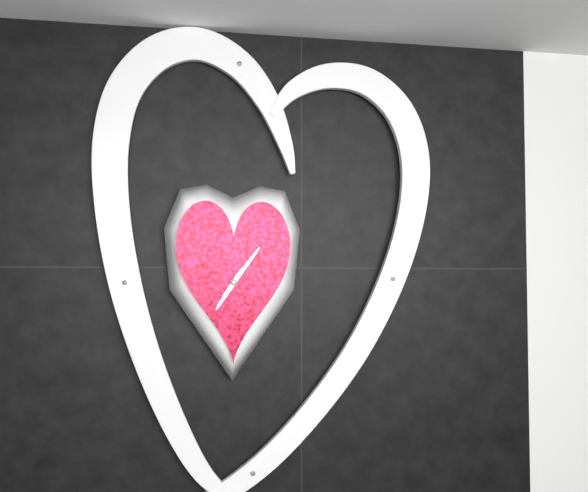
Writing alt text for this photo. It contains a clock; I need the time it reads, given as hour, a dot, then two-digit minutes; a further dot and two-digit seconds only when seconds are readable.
7.06
